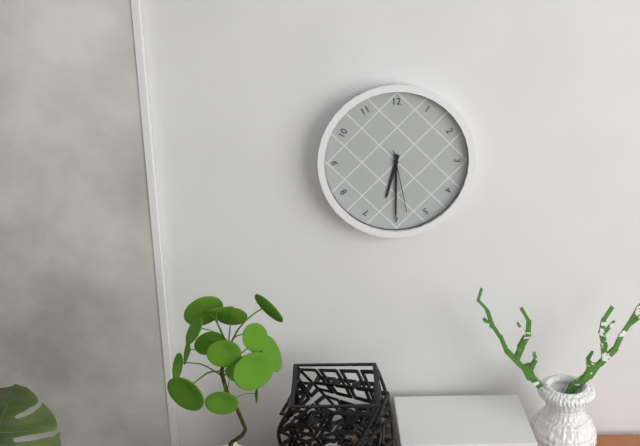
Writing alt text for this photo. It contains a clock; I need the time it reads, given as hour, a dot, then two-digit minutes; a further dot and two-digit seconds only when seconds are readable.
6.30.28
